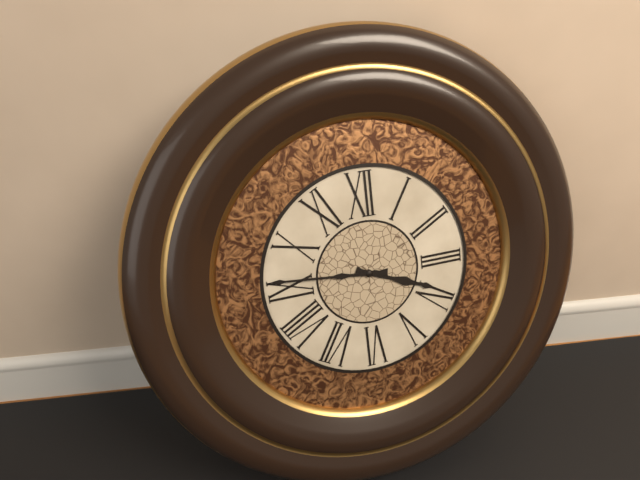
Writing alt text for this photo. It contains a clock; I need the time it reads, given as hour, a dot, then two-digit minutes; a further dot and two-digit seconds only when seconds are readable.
3.46
